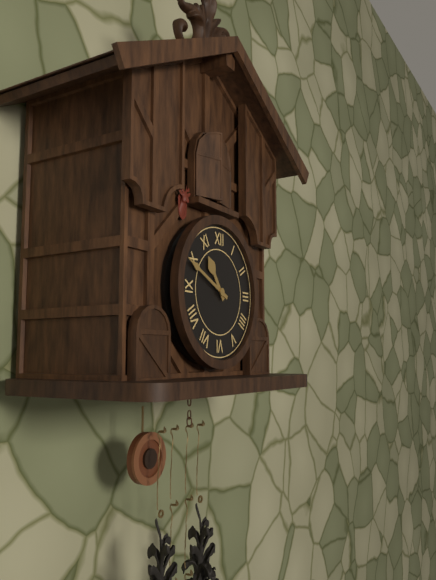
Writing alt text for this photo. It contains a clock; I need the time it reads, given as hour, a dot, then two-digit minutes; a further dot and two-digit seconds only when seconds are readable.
10.49
